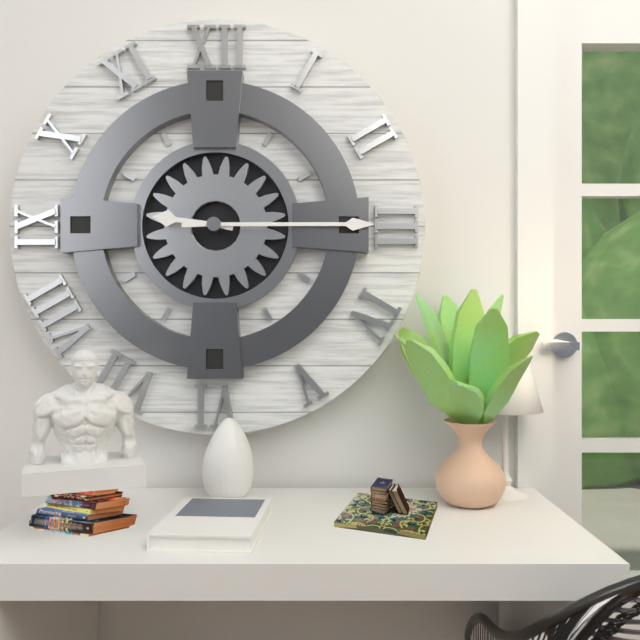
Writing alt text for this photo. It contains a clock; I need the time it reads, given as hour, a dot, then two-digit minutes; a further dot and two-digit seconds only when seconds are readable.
9.15
